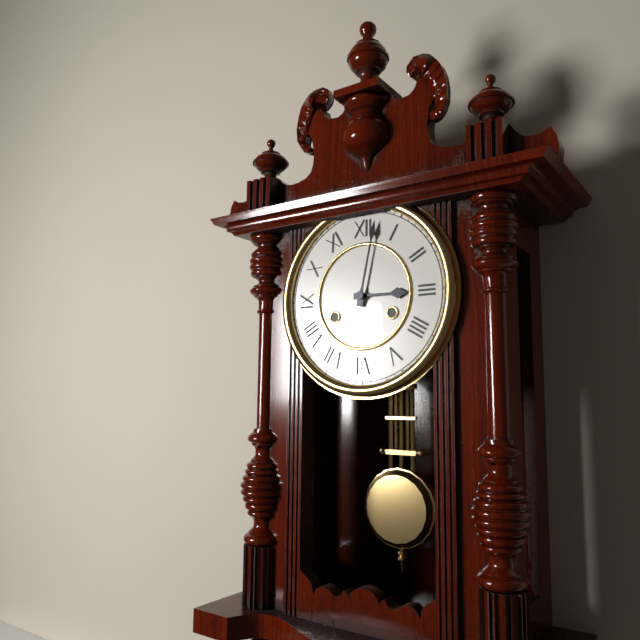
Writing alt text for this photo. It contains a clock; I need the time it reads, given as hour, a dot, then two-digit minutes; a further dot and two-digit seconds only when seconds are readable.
3.02
